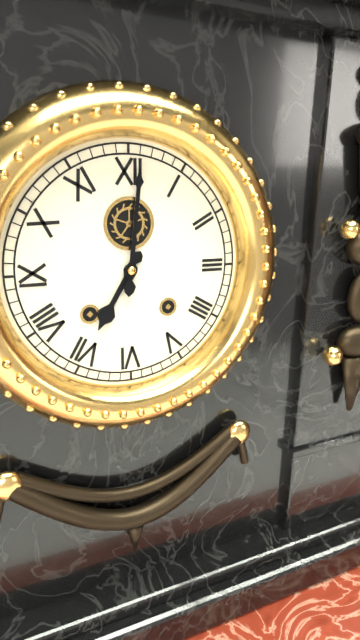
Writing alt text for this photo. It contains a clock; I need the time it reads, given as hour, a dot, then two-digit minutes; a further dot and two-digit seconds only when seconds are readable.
7.01
